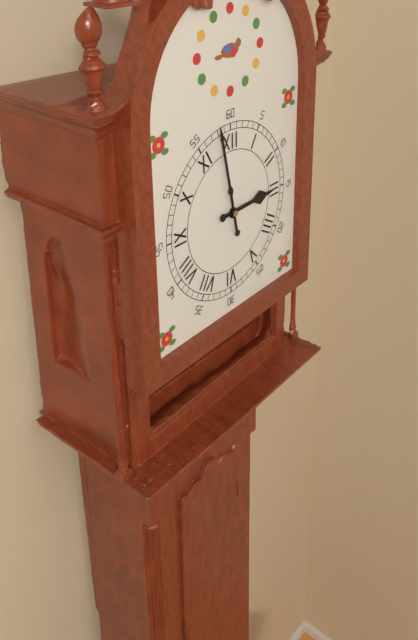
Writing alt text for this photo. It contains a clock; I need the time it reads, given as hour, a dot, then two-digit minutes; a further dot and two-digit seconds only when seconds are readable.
2.58
